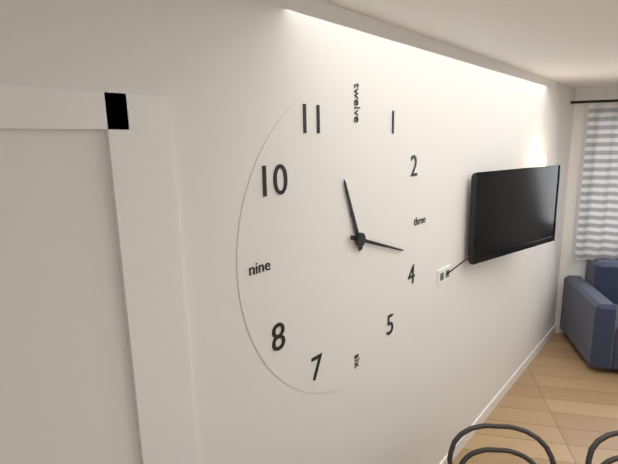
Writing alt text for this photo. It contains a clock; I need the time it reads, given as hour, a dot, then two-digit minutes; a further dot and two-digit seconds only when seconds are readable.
11.18
